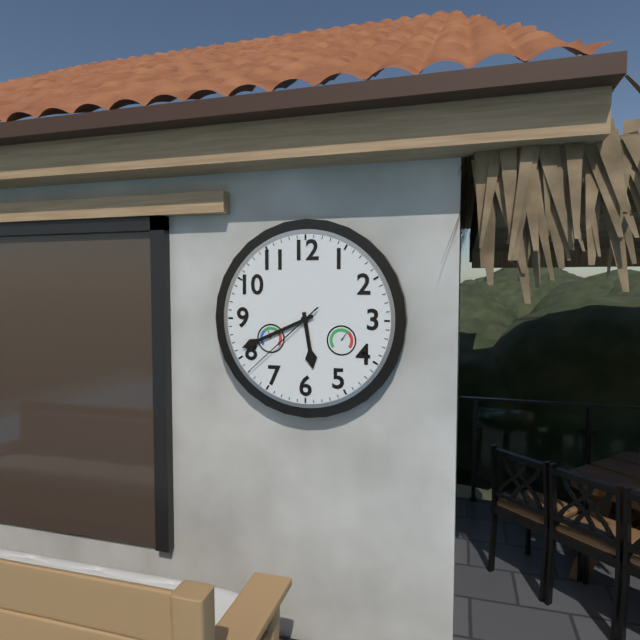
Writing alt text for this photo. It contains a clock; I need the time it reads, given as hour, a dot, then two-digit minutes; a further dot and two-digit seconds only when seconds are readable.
5.41.38
